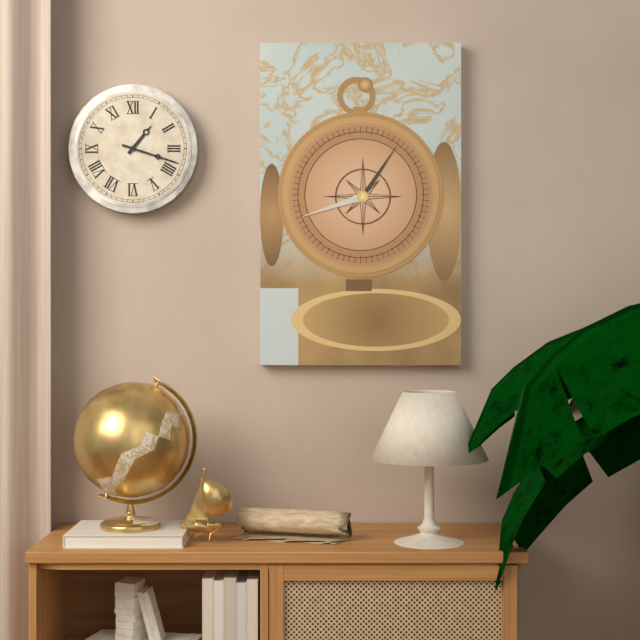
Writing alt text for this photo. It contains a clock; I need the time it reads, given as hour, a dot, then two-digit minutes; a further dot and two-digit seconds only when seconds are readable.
1.18
